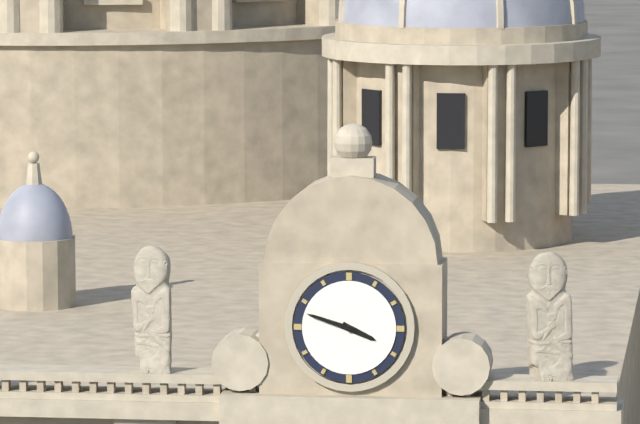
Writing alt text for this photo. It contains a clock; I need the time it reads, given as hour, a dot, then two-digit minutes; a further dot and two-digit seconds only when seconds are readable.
3.48
